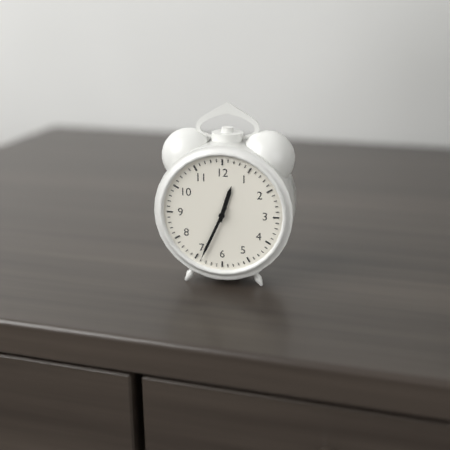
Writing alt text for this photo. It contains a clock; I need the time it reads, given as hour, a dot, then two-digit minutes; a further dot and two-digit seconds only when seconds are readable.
12.34
